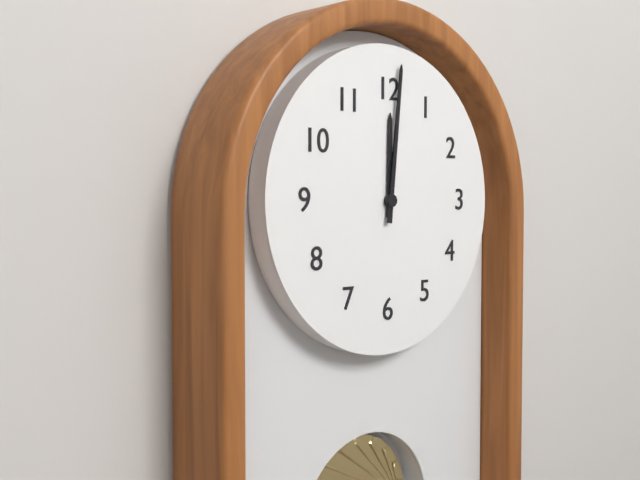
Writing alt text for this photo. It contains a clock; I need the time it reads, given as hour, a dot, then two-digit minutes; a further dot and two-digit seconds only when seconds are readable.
12.01
